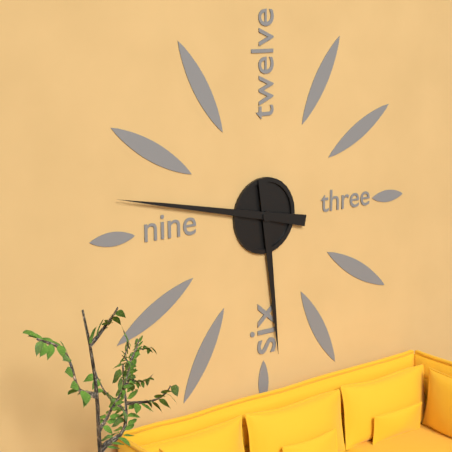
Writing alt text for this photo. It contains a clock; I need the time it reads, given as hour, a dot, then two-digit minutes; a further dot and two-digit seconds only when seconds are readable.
5.47
